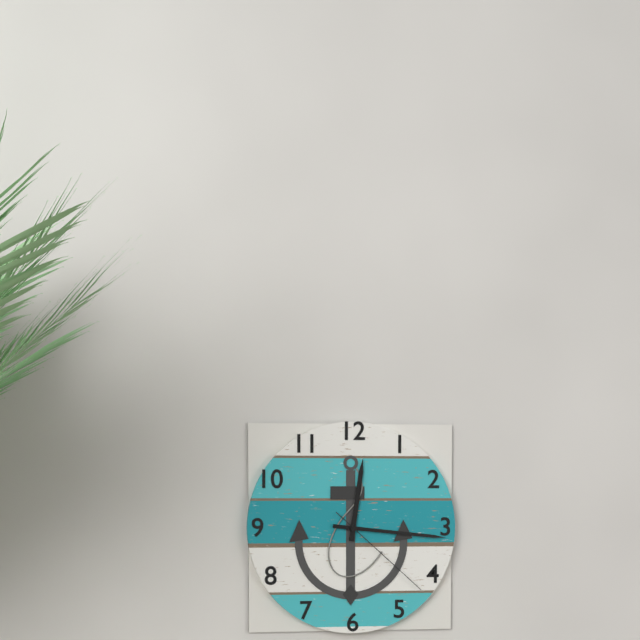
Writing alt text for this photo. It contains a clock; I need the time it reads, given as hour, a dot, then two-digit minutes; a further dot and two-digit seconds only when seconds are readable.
12.16.22
